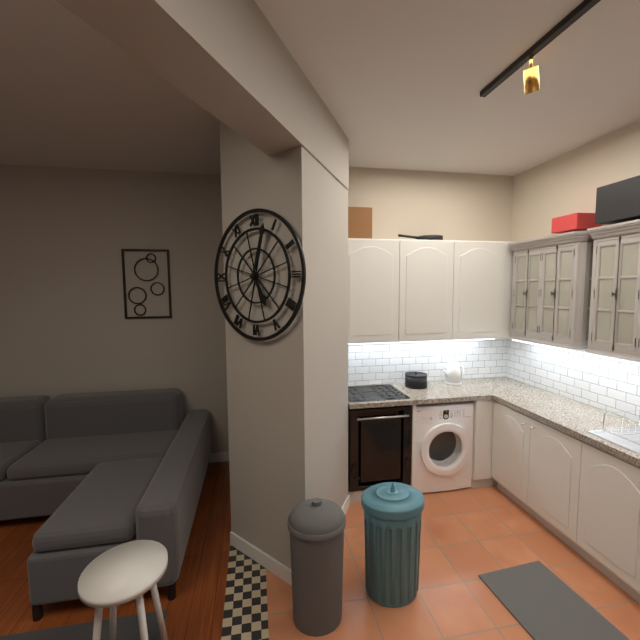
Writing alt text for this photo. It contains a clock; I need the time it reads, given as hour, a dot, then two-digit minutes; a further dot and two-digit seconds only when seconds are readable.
5.03
